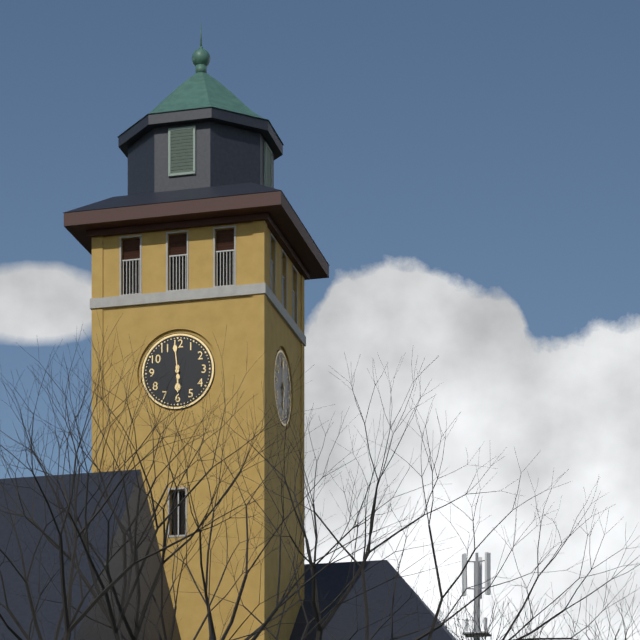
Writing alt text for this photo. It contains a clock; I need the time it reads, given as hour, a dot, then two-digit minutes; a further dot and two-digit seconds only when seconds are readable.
5.59
